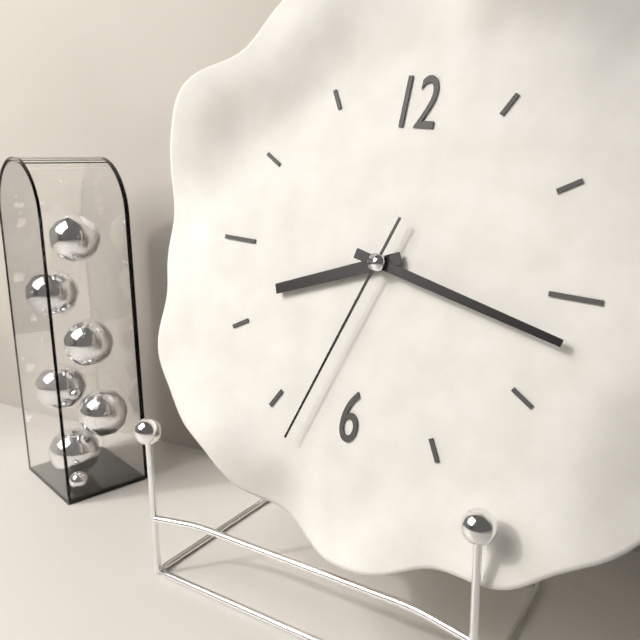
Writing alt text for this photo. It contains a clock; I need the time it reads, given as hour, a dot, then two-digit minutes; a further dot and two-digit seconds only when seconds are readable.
8.17.33
